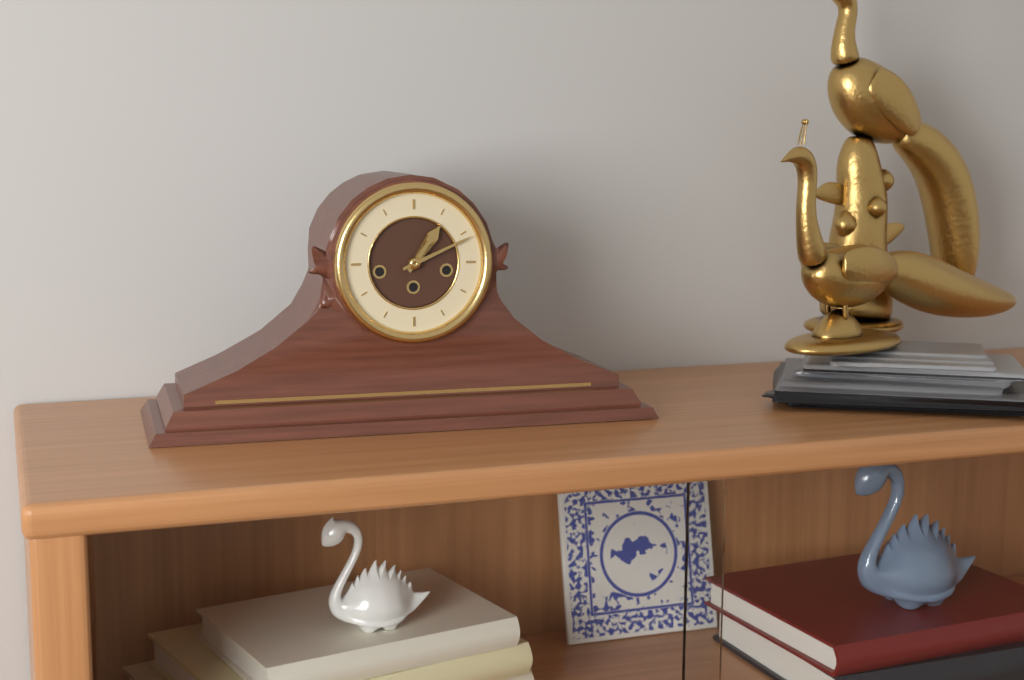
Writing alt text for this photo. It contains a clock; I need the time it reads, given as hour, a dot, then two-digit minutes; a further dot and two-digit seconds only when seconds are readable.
1.11
